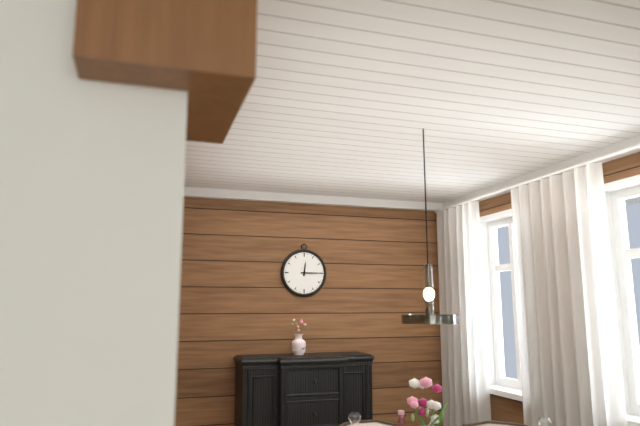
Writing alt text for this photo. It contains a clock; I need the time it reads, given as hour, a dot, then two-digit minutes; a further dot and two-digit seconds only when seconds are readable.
12.15
